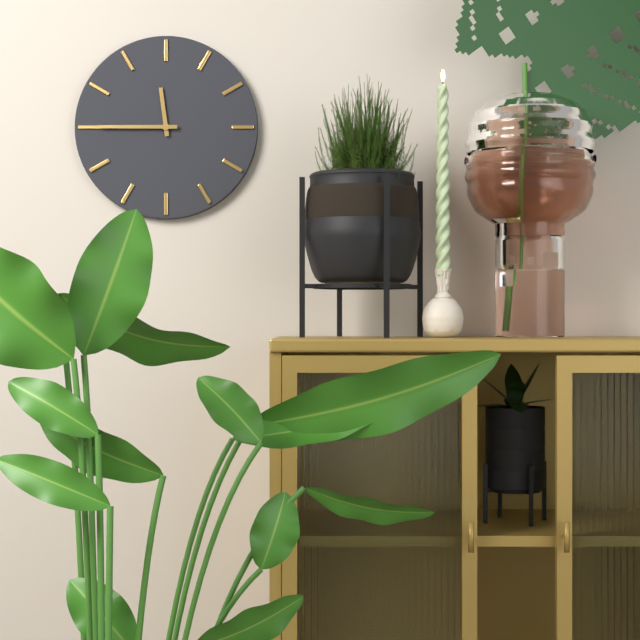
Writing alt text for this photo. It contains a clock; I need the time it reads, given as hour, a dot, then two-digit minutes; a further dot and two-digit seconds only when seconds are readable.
11.45
